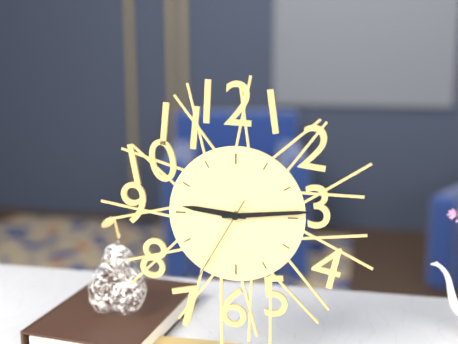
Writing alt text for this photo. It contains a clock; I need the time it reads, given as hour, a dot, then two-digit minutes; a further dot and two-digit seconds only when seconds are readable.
9.14.35
